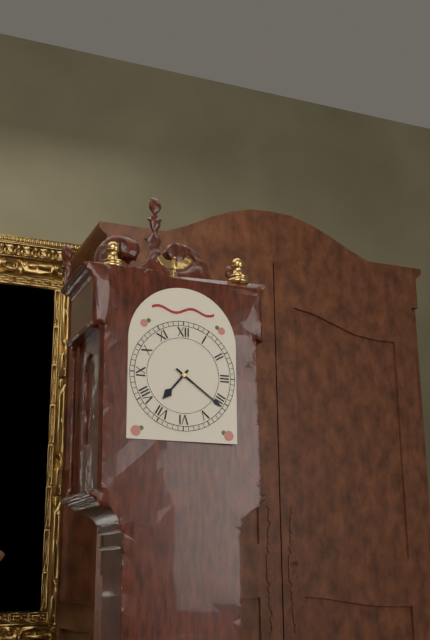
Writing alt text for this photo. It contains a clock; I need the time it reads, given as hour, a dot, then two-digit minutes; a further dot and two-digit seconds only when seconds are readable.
7.21
